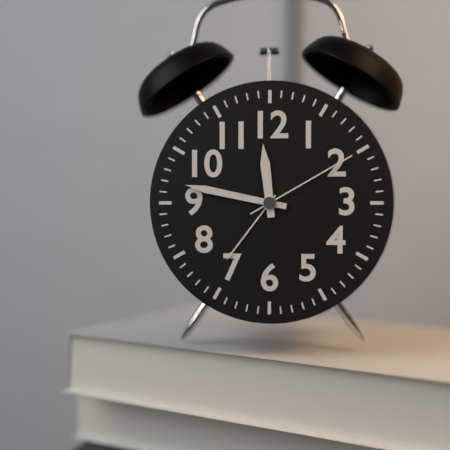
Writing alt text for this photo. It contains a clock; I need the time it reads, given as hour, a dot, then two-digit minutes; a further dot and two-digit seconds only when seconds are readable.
11.47.10
